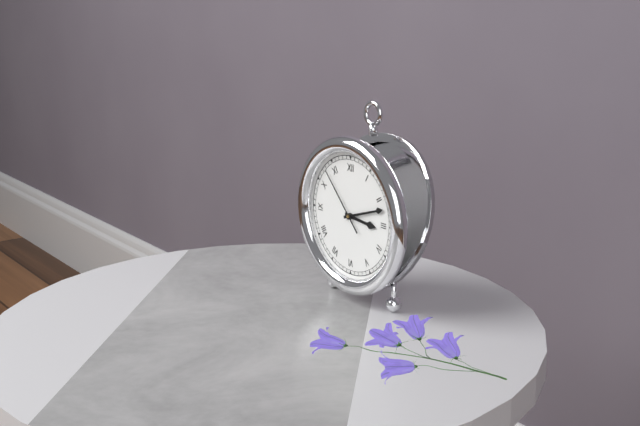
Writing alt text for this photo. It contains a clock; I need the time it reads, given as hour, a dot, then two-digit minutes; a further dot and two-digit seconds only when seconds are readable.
3.12.53
